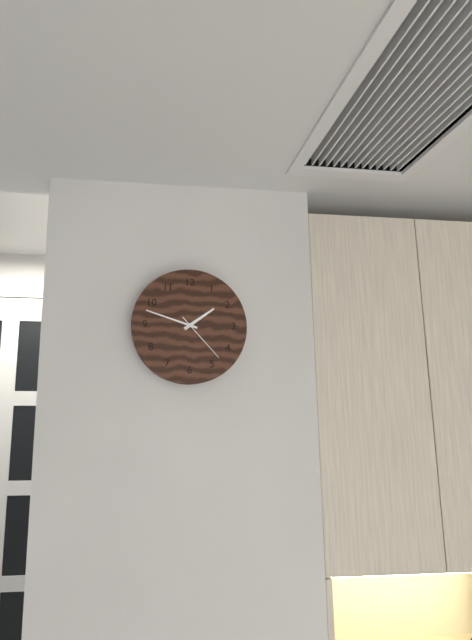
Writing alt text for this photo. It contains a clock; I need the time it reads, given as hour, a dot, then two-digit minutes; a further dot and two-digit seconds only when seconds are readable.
1.48.23
